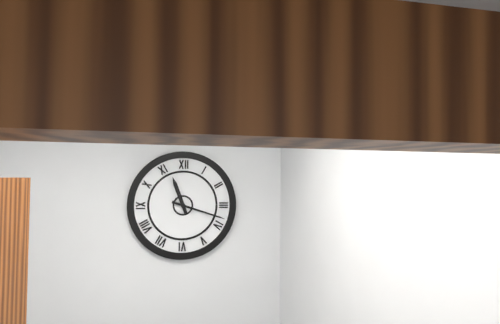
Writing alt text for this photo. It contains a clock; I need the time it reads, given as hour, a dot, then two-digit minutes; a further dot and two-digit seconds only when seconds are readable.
11.18
